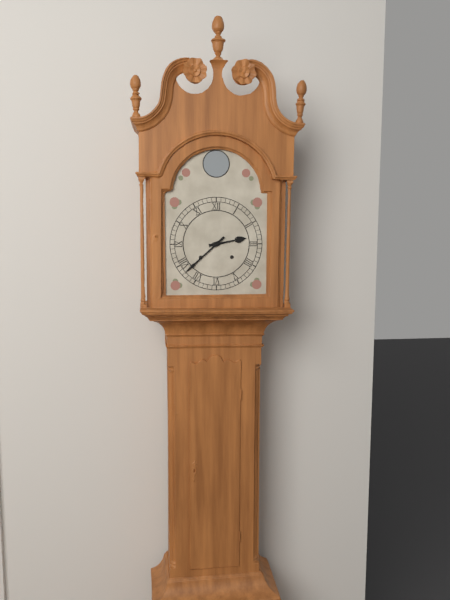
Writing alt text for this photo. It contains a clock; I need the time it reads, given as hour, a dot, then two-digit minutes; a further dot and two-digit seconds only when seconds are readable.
2.38
